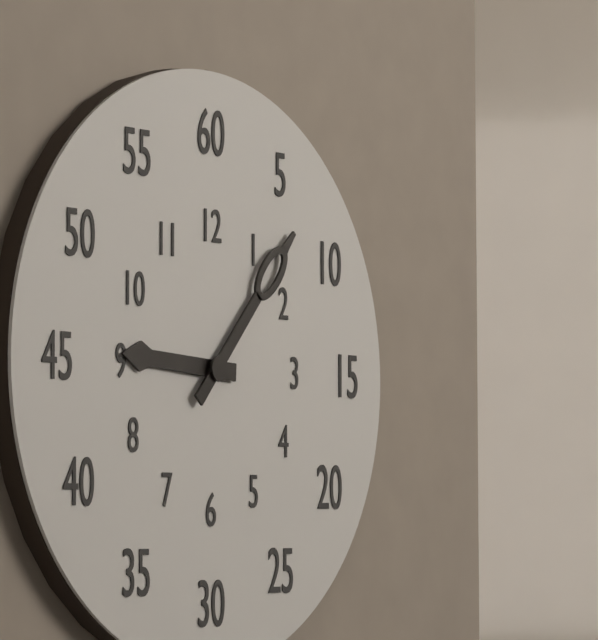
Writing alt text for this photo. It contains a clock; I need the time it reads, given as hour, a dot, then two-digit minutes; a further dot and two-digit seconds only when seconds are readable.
9.07
